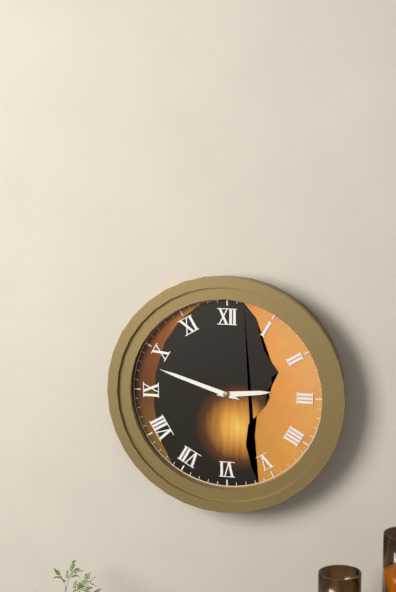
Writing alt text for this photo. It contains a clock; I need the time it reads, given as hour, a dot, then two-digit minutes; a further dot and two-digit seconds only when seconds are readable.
2.48
